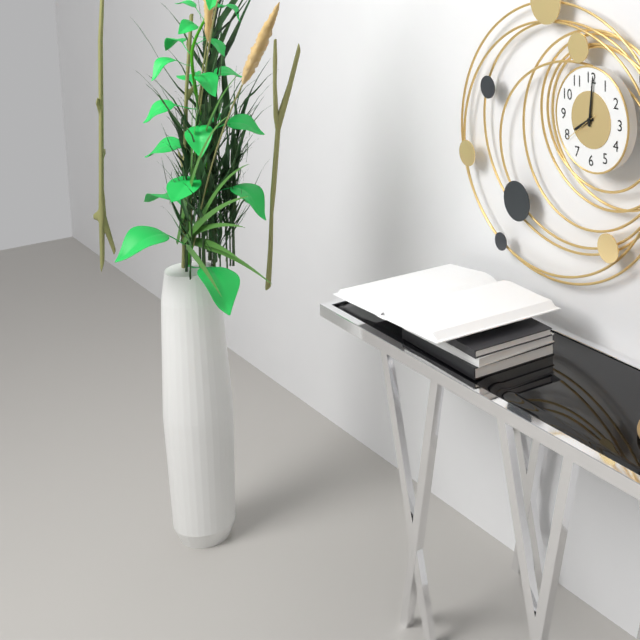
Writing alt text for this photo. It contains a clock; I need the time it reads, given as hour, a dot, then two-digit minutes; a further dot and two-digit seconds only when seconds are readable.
8.01
